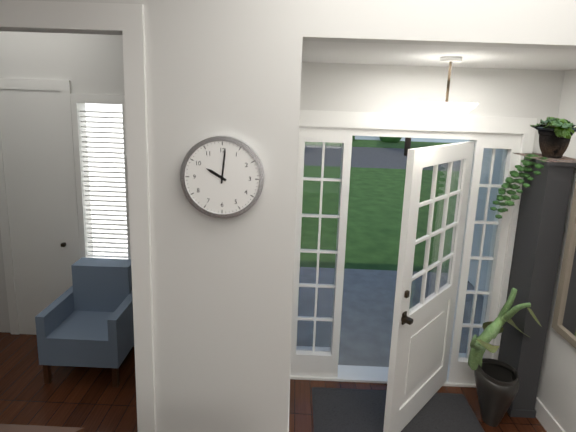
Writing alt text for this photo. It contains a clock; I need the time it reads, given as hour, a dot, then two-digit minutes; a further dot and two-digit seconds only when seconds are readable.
10.01
